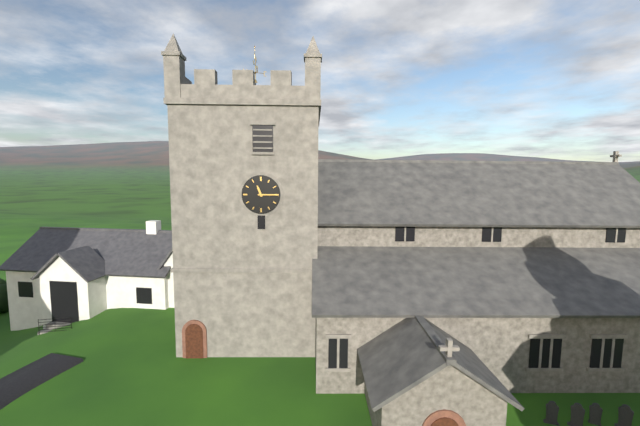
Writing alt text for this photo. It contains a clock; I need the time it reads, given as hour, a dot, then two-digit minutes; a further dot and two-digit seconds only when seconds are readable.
11.15
